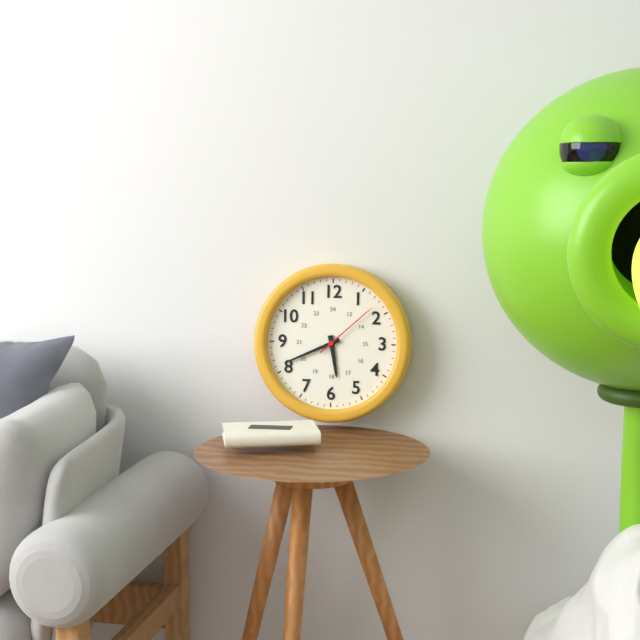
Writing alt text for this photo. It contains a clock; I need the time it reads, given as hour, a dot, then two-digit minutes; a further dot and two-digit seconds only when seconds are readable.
5.41.08
